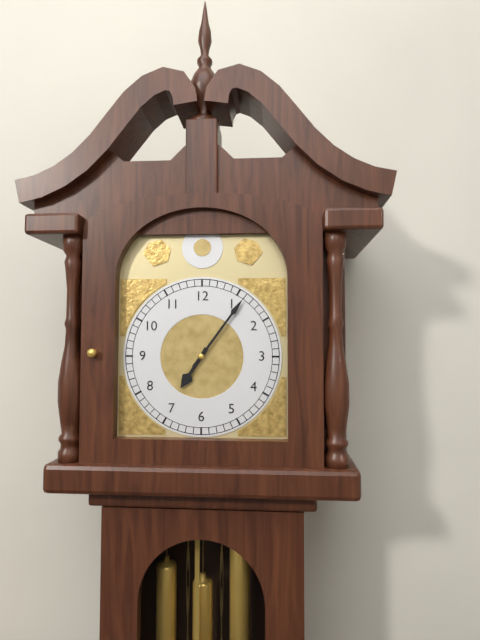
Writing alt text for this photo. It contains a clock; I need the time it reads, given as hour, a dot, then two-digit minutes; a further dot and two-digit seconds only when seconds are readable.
7.06
